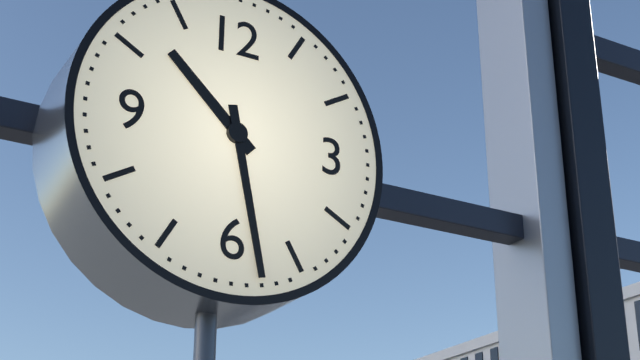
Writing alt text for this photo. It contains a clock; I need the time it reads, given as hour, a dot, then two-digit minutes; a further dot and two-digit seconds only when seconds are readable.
10.28
